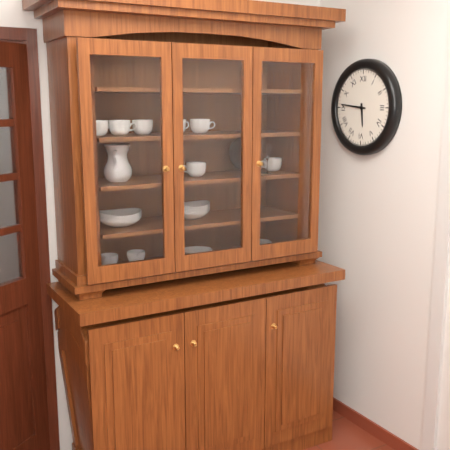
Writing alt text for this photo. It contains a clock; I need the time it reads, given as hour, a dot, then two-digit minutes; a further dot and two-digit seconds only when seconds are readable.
5.46
